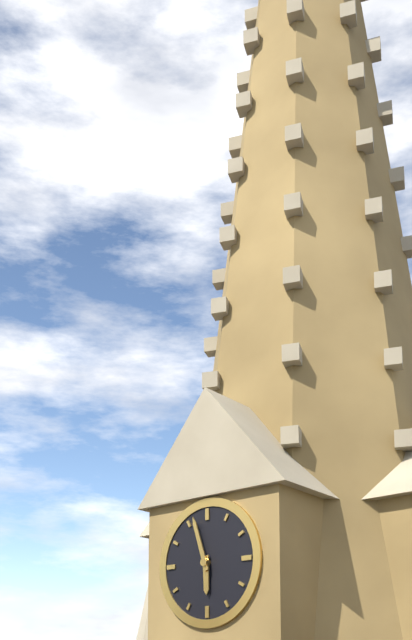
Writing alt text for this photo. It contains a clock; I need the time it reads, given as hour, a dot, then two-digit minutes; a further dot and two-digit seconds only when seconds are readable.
5.57
